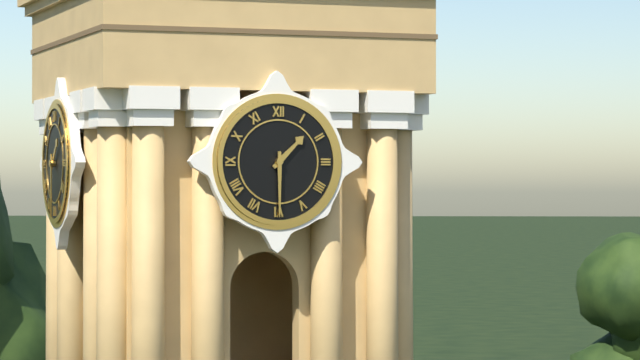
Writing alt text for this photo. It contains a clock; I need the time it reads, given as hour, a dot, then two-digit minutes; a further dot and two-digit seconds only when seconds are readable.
1.30
